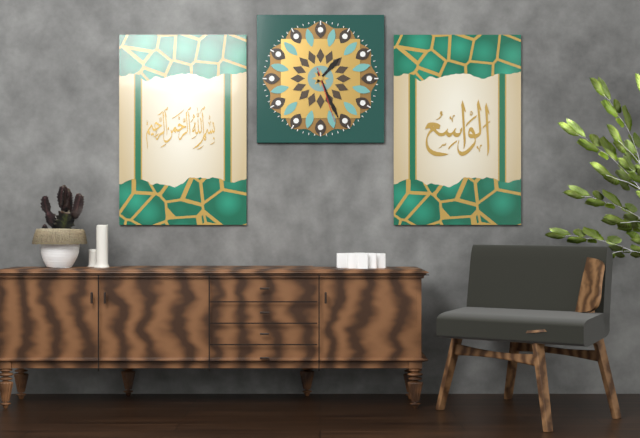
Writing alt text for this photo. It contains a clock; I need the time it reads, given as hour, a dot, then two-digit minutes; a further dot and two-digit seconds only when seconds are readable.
1.26.27
